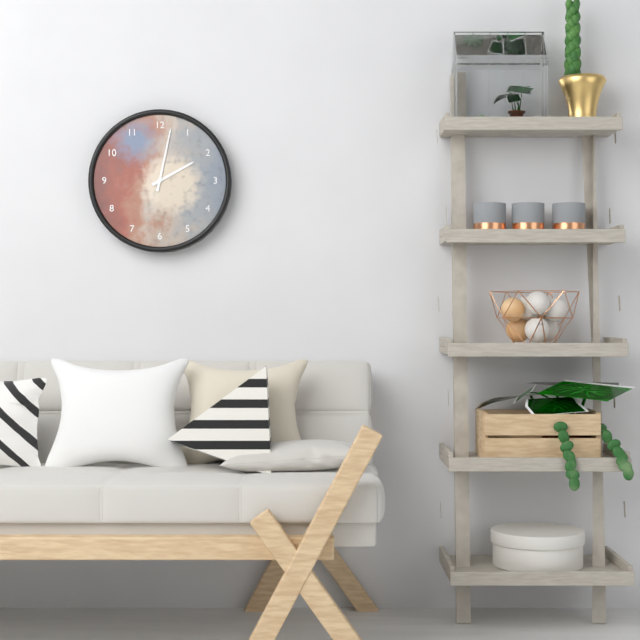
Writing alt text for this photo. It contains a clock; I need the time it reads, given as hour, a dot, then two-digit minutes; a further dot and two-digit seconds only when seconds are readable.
2.02
